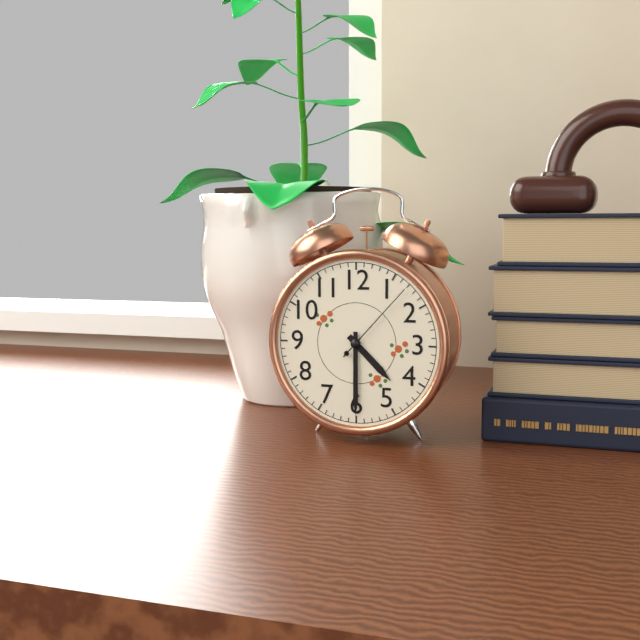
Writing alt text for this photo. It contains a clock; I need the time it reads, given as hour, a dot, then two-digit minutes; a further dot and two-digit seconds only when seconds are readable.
4.30.07
